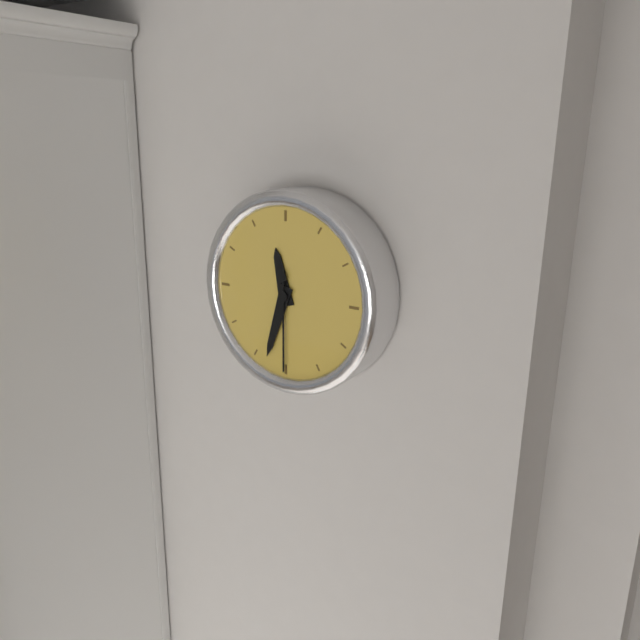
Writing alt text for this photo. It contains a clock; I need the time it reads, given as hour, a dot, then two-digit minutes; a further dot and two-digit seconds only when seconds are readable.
11.33.30
